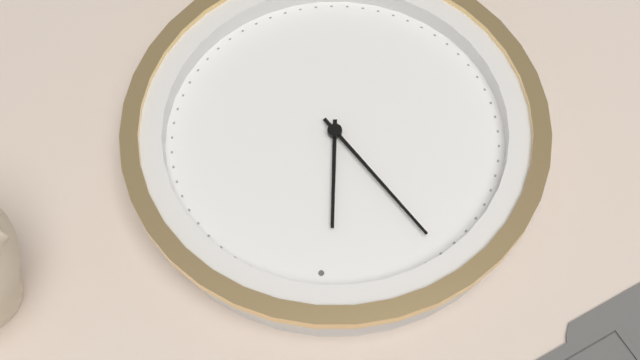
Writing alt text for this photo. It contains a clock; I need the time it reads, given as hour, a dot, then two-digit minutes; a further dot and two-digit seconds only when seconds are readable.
11.53
